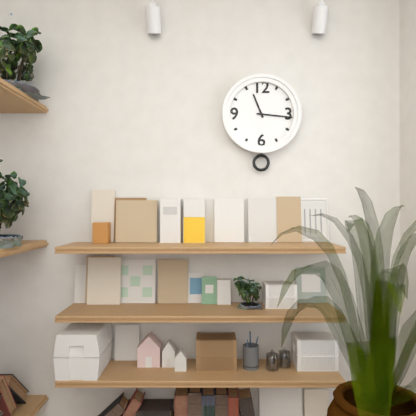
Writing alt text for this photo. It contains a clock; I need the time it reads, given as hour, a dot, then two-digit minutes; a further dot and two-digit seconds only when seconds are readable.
11.16
